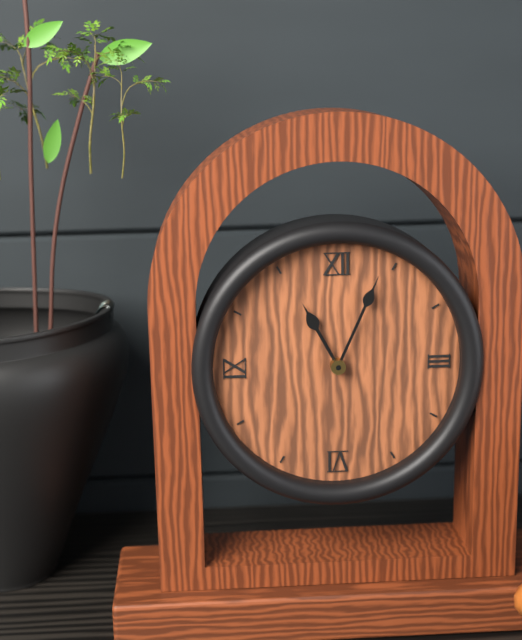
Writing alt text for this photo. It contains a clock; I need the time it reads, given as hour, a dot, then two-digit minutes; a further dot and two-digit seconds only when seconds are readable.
11.04
